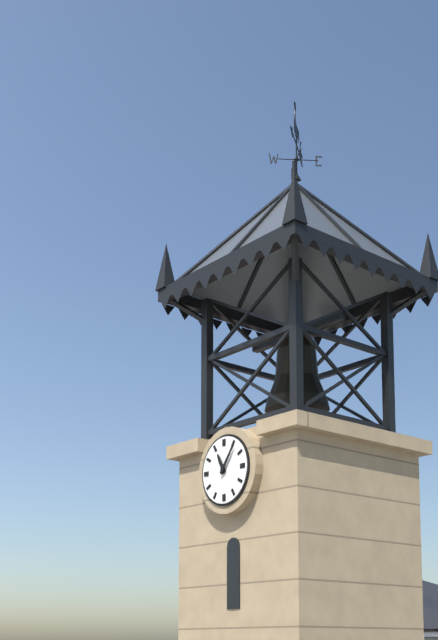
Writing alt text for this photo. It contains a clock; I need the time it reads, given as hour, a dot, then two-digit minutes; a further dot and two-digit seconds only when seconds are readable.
11.06
